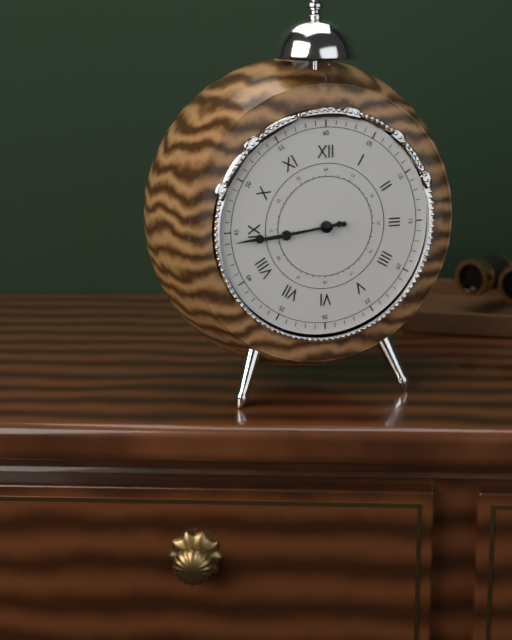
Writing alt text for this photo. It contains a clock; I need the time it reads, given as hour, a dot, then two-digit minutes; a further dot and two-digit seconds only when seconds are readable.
8.44
